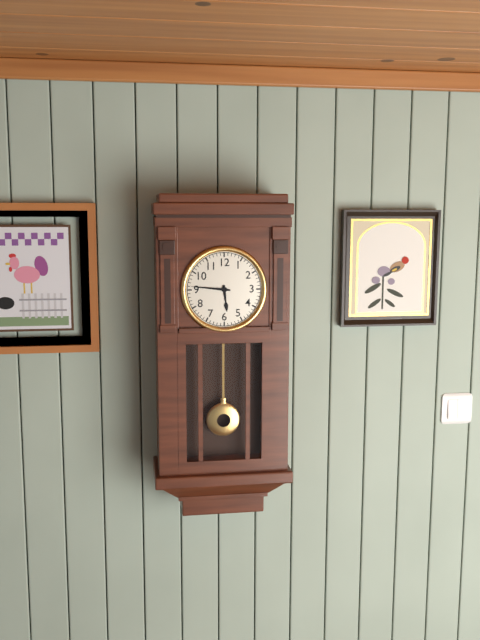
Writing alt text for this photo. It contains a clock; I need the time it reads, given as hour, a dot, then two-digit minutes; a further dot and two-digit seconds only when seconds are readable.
5.46
